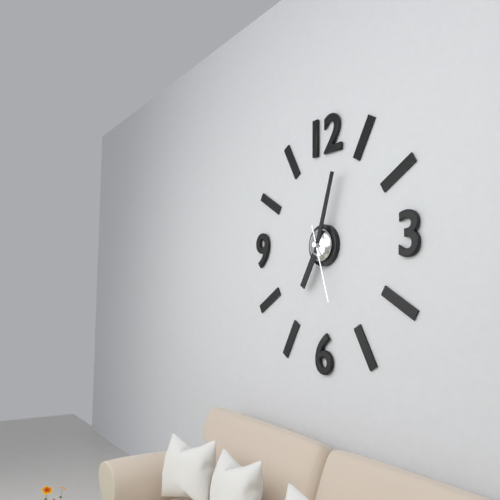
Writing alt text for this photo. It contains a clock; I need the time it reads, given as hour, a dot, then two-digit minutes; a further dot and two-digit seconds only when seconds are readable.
7.03.27
